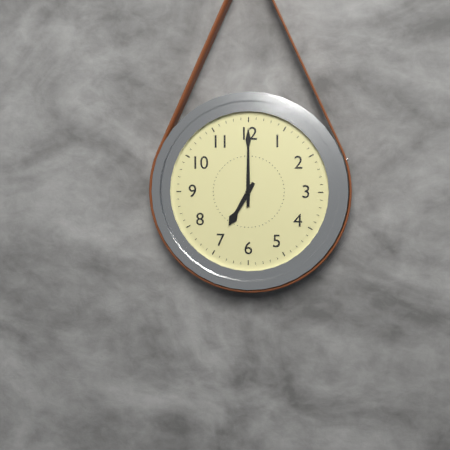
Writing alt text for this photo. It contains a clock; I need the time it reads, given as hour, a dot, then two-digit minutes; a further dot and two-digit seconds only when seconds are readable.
7.00
